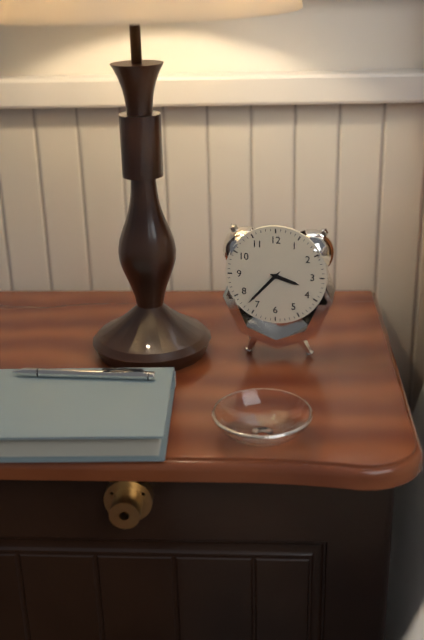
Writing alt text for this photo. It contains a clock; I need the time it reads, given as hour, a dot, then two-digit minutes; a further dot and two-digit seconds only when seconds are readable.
3.37
